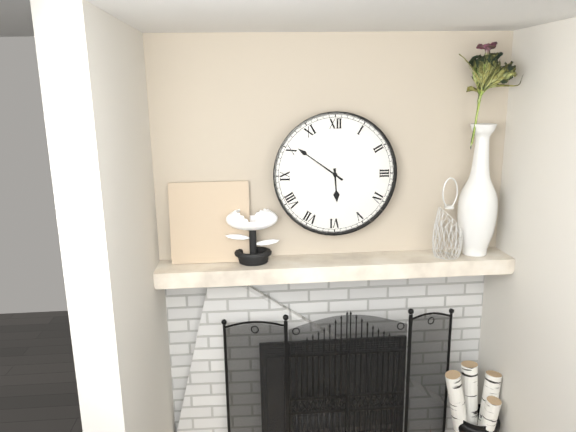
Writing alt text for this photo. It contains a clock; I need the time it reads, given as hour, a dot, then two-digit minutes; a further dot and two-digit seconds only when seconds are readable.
5.51
